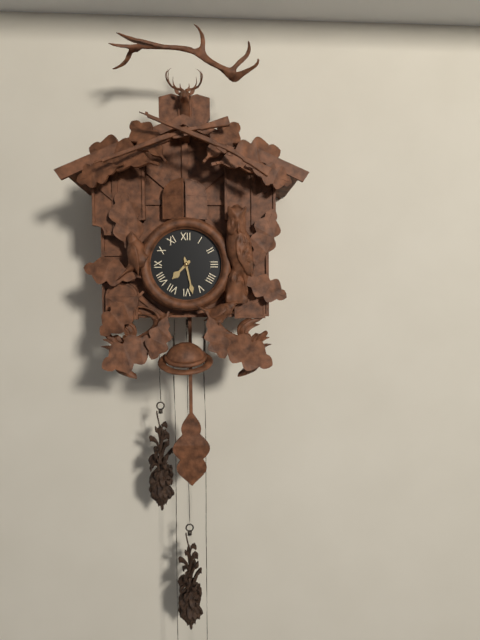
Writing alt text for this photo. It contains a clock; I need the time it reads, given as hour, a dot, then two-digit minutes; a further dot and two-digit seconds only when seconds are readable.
7.28
